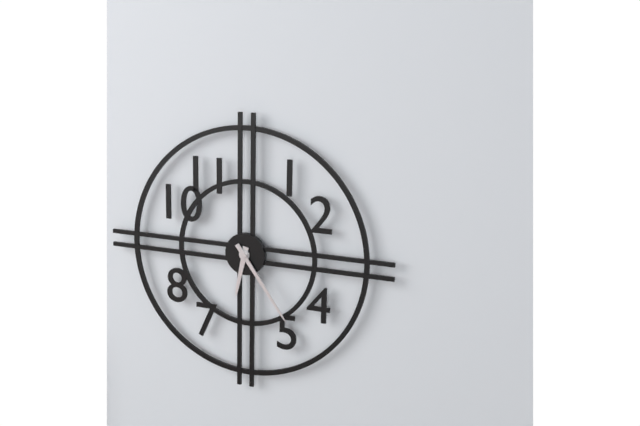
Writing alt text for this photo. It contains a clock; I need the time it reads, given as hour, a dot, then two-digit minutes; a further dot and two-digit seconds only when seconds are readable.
6.24
